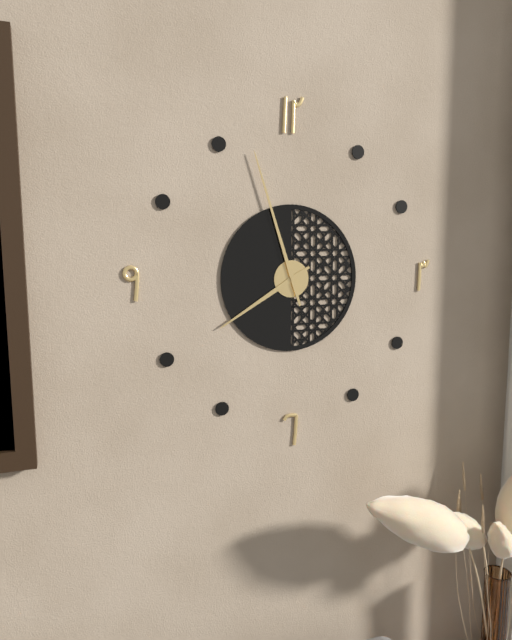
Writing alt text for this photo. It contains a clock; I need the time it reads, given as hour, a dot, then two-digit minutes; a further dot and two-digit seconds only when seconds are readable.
7.57
